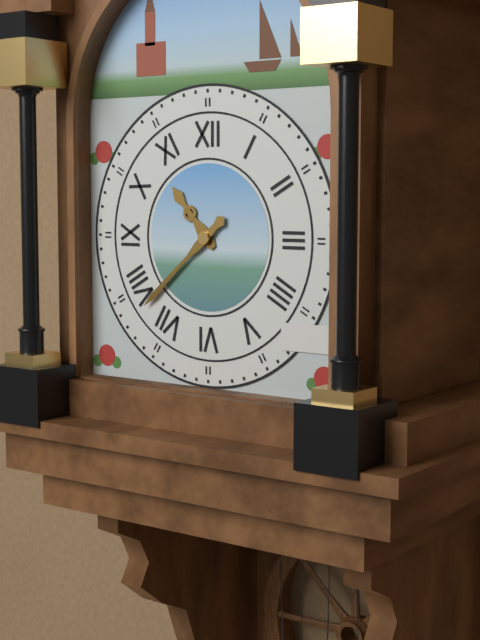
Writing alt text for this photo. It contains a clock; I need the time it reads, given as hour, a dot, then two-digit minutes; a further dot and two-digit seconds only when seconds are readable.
10.38
